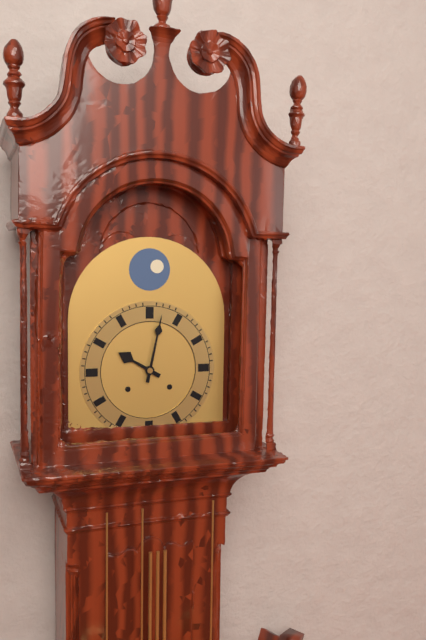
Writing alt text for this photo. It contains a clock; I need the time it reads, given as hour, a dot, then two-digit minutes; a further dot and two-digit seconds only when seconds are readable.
10.02
